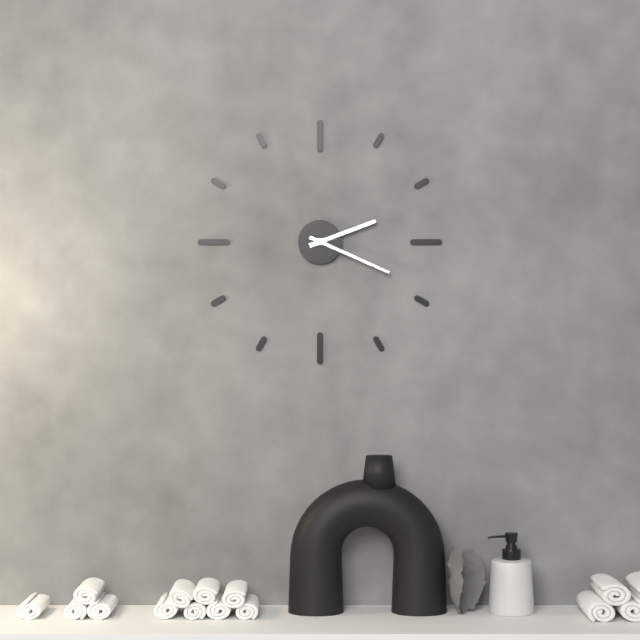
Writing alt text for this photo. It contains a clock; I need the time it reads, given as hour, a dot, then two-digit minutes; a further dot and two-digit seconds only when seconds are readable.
2.19
